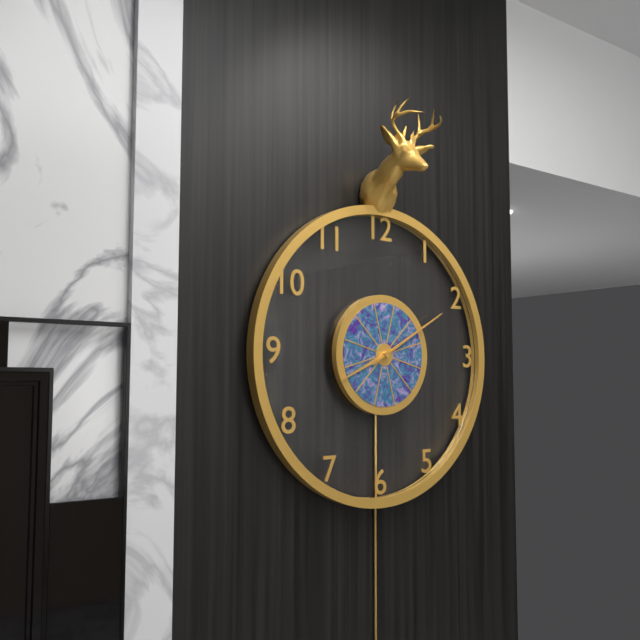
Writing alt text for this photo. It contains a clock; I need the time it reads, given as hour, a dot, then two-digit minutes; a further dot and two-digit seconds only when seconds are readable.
8.10.10
